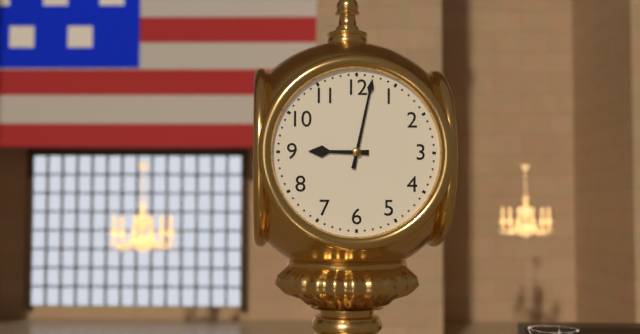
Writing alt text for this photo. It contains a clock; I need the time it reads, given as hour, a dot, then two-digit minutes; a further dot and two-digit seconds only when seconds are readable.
9.02
